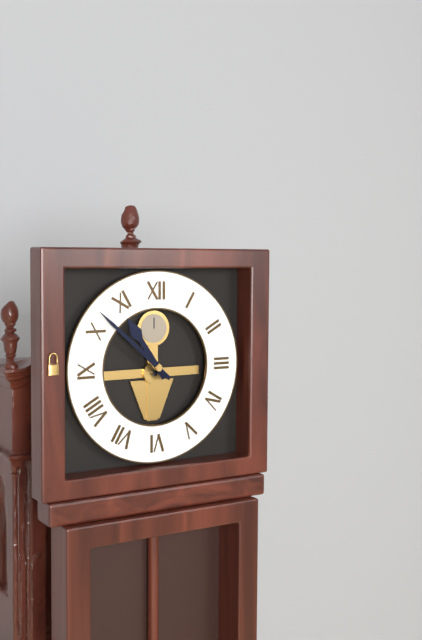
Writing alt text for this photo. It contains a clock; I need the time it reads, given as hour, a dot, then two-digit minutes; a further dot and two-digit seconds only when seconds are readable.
10.52
